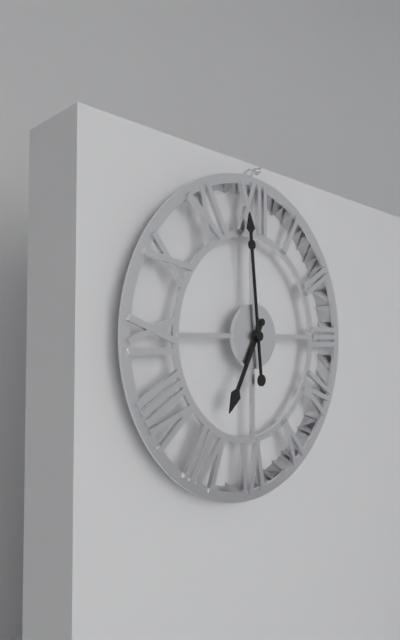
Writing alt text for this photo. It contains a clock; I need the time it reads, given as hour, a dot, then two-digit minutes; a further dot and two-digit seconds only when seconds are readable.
6.59
